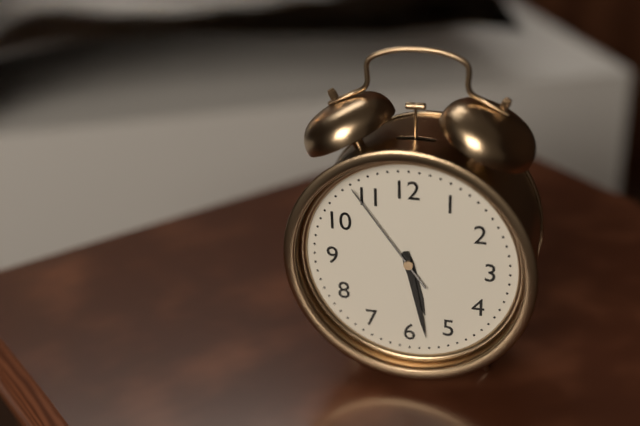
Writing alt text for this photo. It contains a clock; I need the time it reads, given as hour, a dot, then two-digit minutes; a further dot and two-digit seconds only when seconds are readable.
5.28.54
